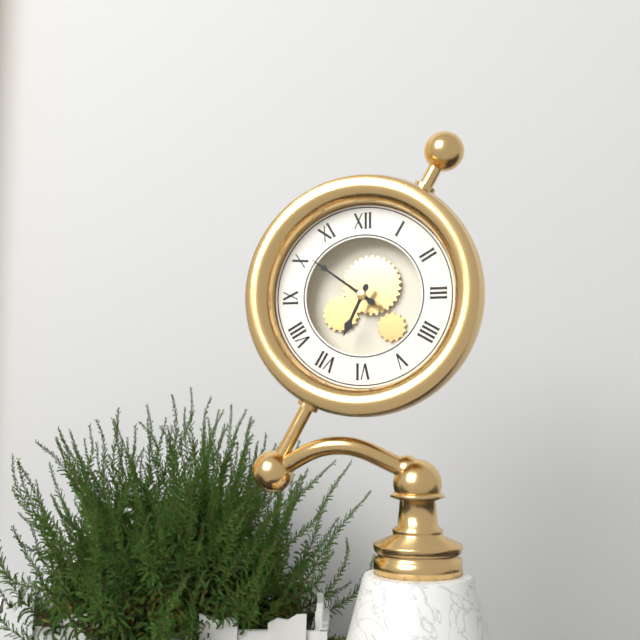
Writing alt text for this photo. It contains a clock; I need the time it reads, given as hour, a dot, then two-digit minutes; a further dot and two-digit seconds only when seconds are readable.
6.51
